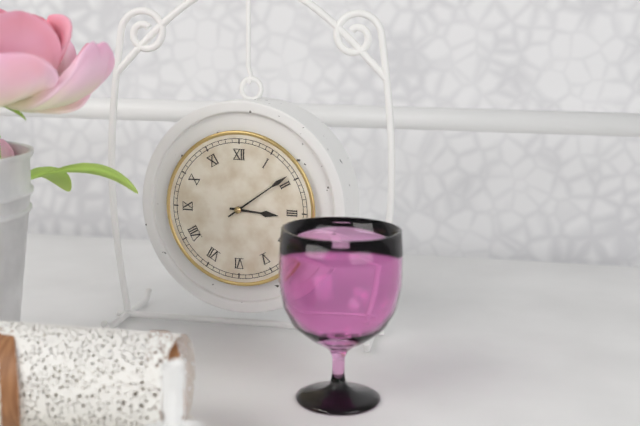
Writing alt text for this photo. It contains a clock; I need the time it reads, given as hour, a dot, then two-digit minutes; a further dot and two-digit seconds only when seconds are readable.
3.09
